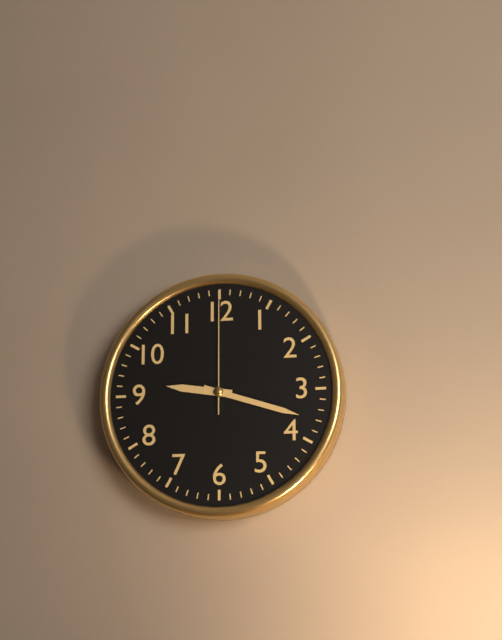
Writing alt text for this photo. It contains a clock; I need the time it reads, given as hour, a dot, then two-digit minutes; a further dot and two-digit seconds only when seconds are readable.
9.18.00
